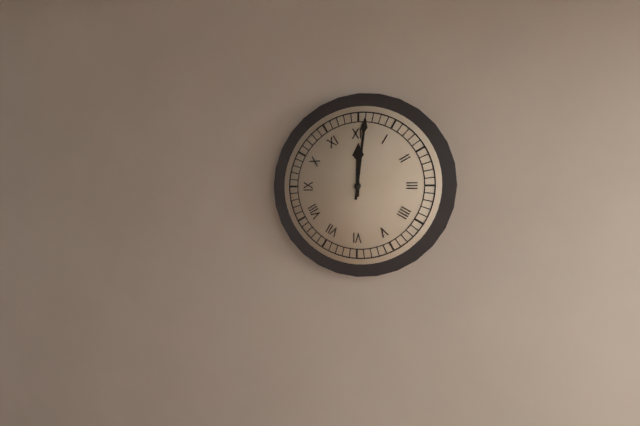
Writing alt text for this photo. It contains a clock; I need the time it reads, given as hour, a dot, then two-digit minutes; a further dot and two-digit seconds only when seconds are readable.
12.01
